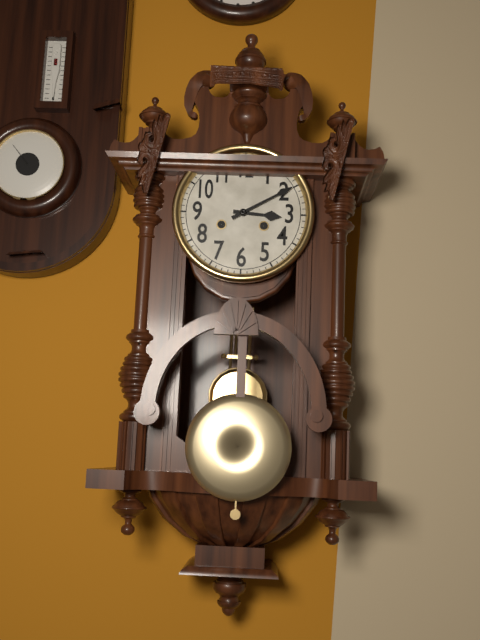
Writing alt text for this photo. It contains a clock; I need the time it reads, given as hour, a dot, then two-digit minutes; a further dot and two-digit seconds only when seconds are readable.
3.10
